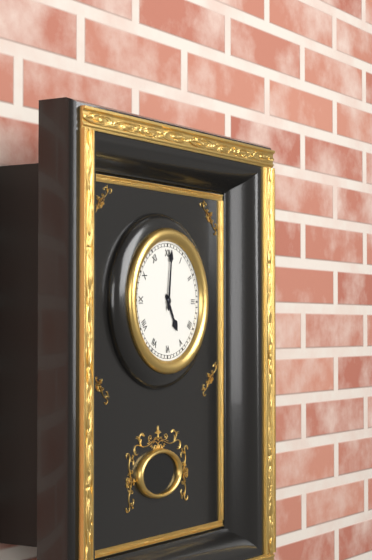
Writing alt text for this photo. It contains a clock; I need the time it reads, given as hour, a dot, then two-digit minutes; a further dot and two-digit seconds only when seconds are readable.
5.01
